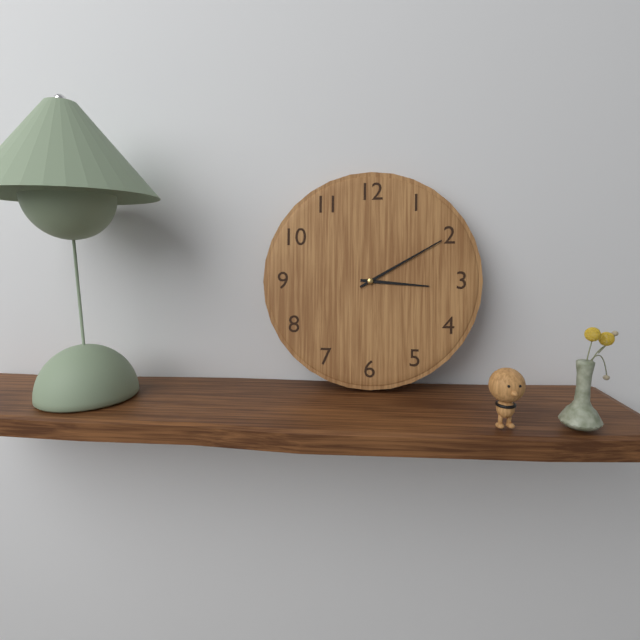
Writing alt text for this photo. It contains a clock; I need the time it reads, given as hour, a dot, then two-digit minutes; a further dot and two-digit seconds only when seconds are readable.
3.10
